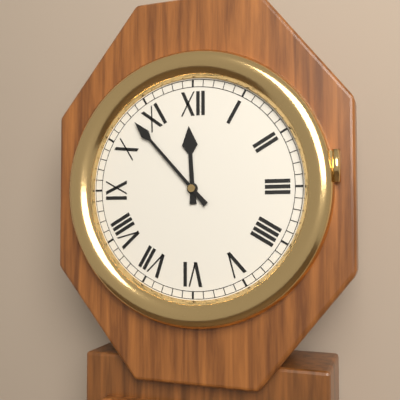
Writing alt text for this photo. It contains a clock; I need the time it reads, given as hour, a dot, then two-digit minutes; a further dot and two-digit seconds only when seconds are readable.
11.53
